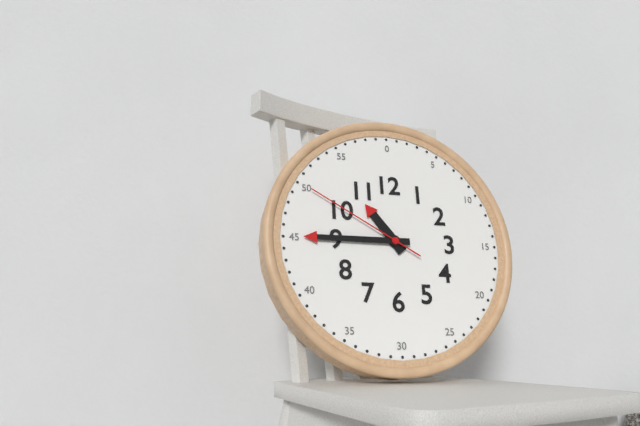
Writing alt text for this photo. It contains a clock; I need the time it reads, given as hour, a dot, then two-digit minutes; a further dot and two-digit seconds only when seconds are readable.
10.45.50
